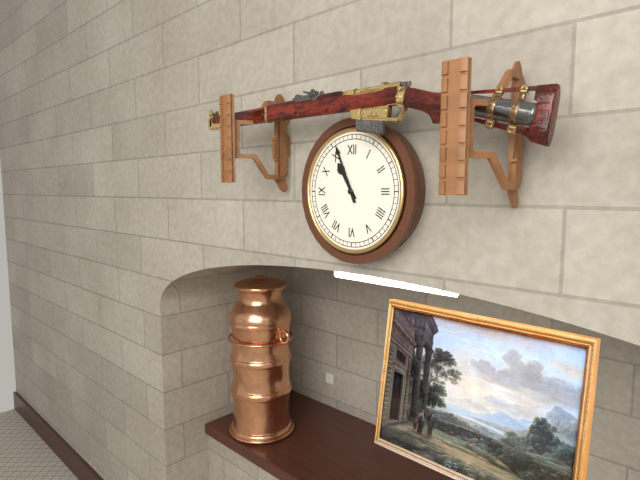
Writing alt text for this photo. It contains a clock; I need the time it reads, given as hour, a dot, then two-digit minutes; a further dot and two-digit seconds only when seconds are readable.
10.56
